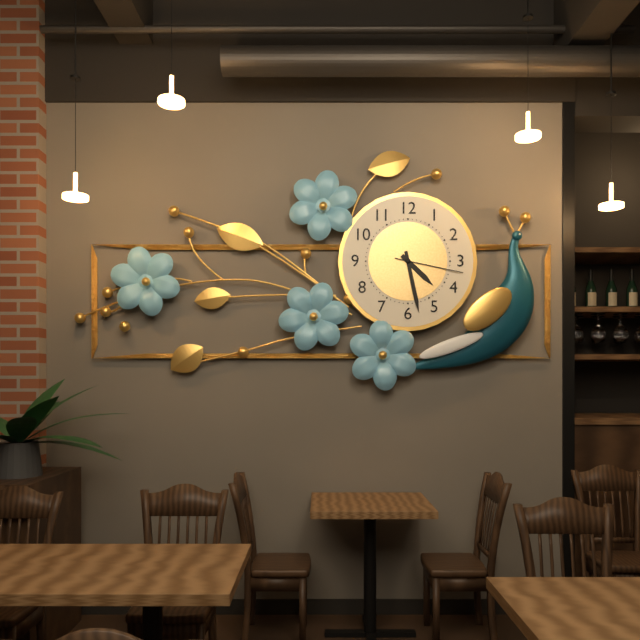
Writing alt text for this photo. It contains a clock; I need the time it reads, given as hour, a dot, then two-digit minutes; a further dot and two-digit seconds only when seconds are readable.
4.28.17
